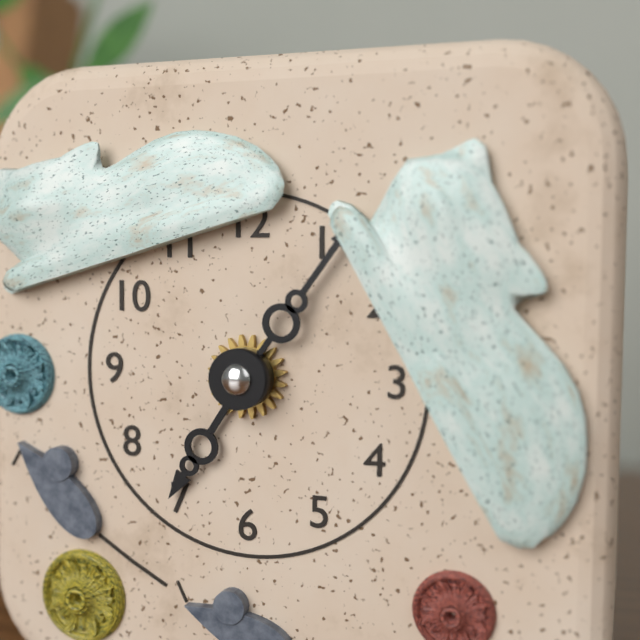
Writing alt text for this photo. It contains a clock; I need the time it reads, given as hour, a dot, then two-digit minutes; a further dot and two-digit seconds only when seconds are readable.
7.06
